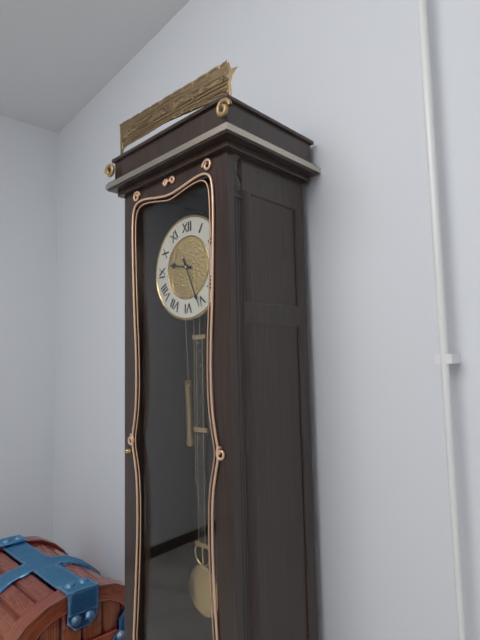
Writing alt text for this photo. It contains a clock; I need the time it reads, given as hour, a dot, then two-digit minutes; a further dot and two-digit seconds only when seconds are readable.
9.26
